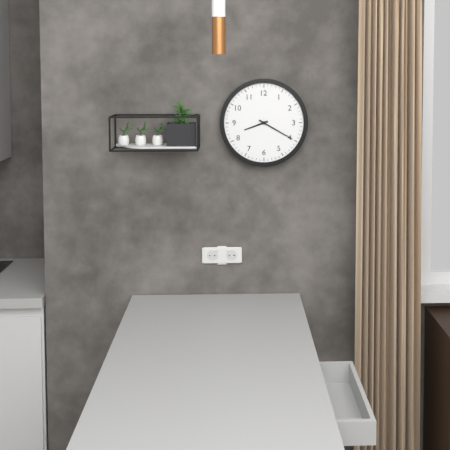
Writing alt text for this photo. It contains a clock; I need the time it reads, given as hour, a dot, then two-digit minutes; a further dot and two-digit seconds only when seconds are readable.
8.20
